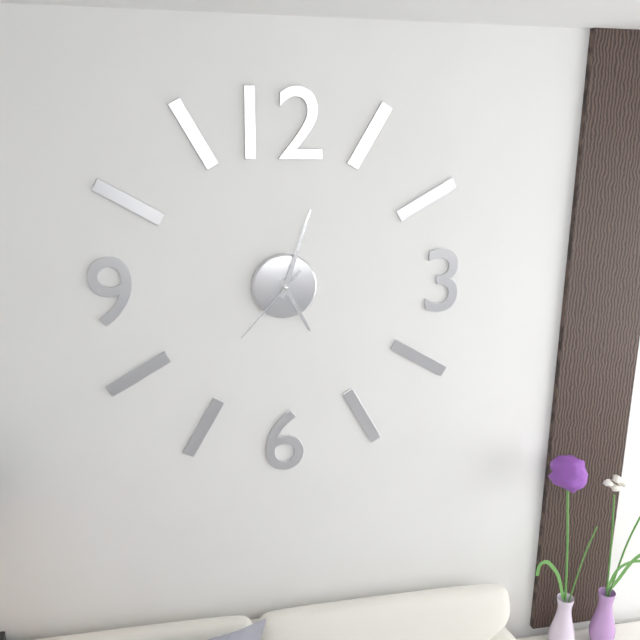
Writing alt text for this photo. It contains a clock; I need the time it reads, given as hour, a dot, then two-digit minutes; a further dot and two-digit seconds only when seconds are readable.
5.03.37
